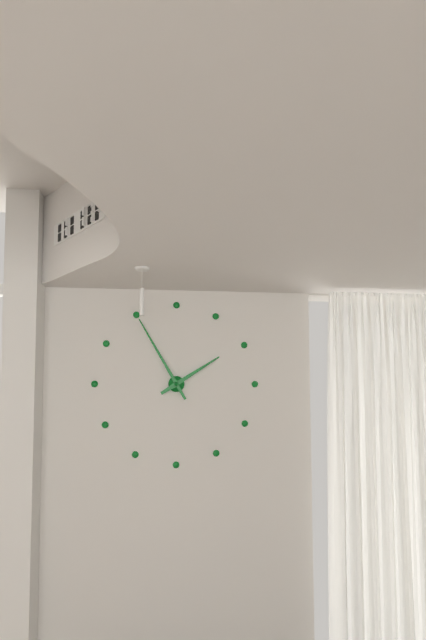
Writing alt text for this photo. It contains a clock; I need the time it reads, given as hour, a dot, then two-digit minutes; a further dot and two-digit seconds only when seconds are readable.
1.55
